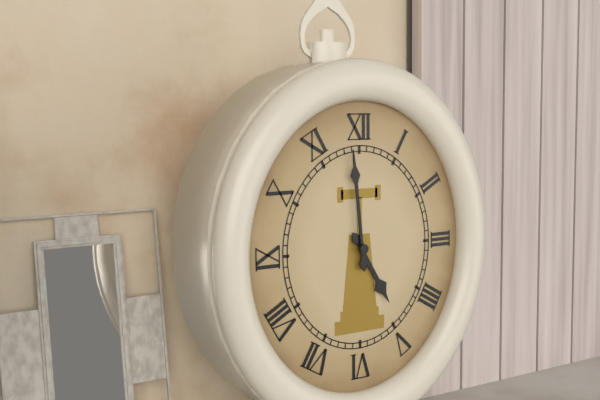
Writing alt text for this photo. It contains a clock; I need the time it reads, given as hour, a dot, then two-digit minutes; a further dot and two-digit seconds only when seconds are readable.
4.59
